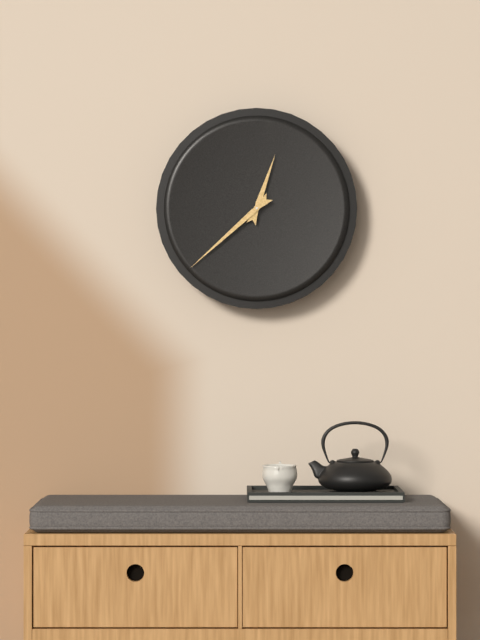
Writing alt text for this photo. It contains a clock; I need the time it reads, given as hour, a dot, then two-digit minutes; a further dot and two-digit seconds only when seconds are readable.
12.38
